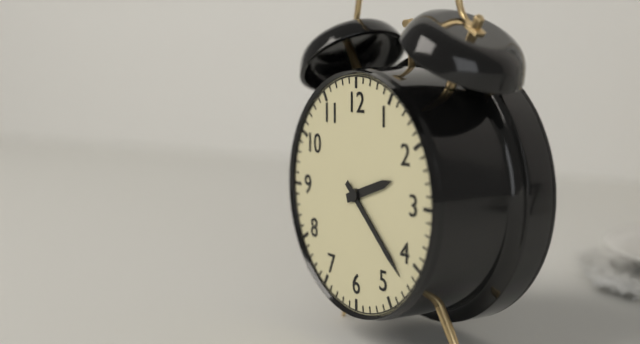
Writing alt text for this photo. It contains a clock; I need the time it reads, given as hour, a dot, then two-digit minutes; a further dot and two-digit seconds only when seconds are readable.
2.22
